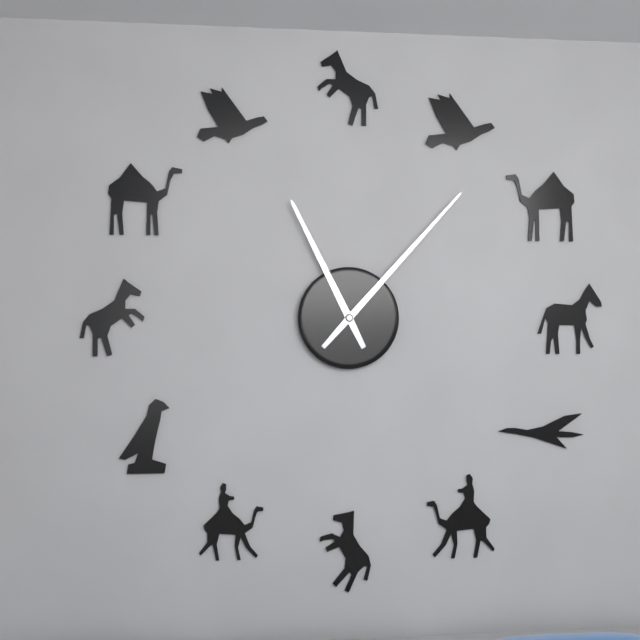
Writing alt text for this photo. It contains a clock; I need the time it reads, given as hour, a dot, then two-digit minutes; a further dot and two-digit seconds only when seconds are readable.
11.07
